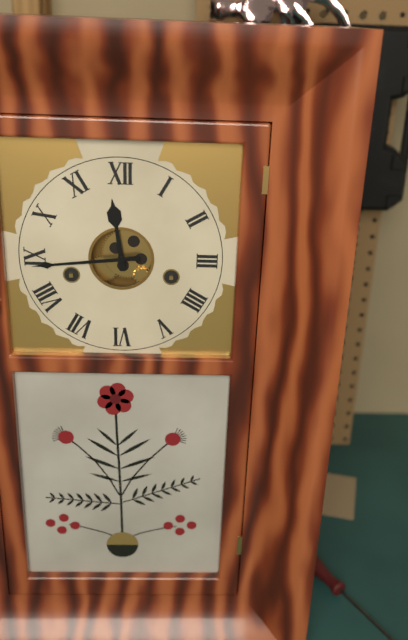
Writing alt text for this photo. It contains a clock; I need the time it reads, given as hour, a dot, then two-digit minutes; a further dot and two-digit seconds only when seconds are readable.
11.44
